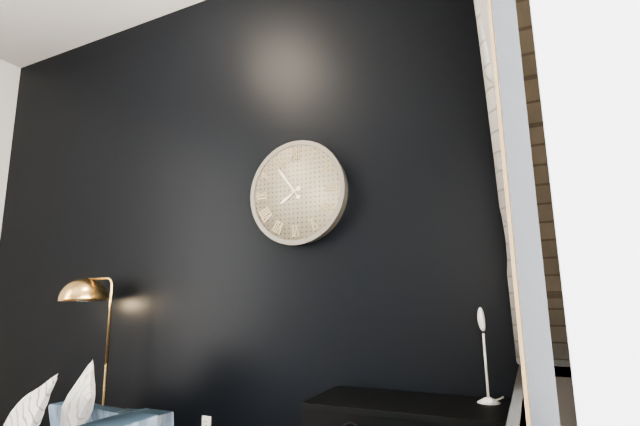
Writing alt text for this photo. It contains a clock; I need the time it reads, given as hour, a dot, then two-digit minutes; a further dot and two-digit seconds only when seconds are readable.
7.54
